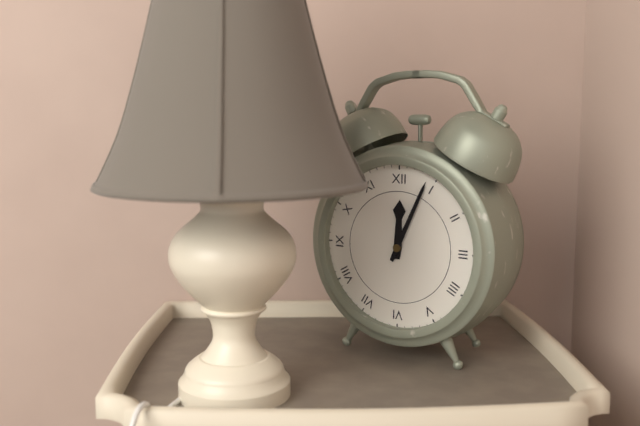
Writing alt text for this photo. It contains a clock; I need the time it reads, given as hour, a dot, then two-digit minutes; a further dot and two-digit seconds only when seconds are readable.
12.04
